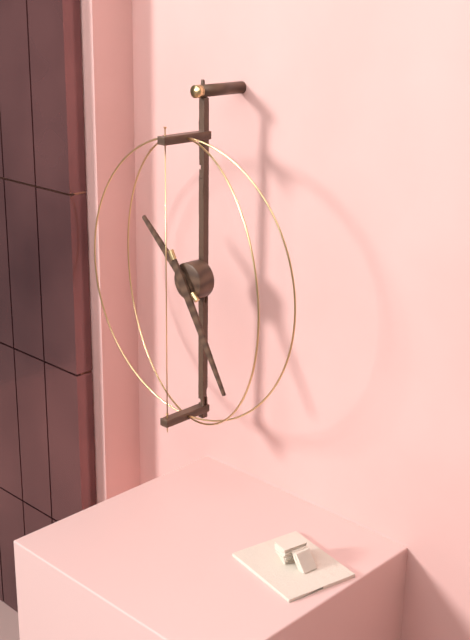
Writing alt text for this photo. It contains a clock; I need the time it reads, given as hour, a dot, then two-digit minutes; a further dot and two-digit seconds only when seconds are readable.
10.25
